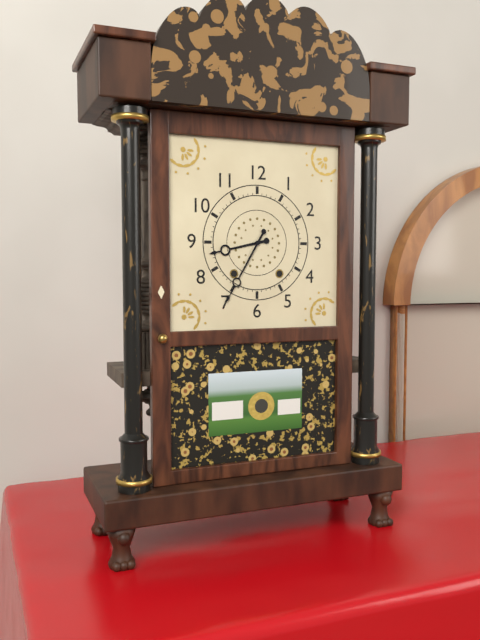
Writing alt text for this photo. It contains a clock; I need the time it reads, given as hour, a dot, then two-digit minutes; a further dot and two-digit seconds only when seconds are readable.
8.35
